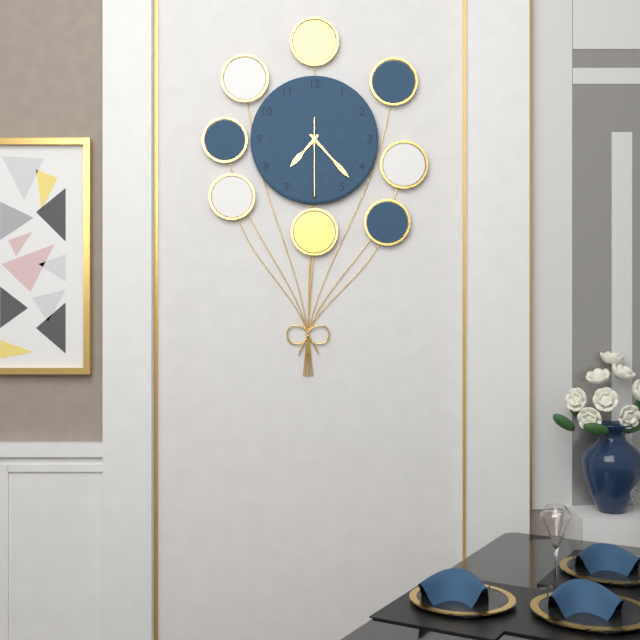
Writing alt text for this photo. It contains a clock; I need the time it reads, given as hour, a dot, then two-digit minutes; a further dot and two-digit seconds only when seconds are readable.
7.23.30
